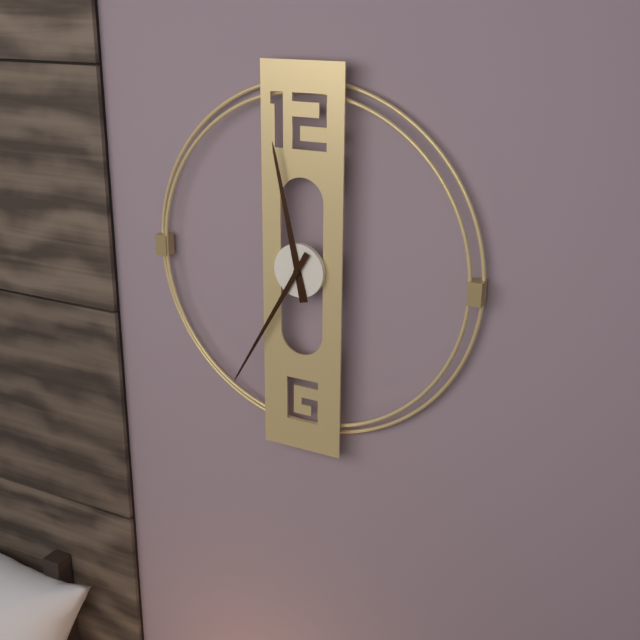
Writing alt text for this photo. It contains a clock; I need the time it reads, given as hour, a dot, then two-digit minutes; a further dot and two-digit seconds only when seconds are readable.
11.35
